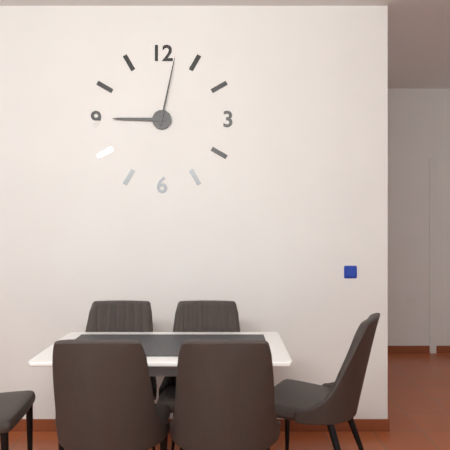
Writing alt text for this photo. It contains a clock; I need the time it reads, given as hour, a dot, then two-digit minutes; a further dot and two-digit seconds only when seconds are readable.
9.02
